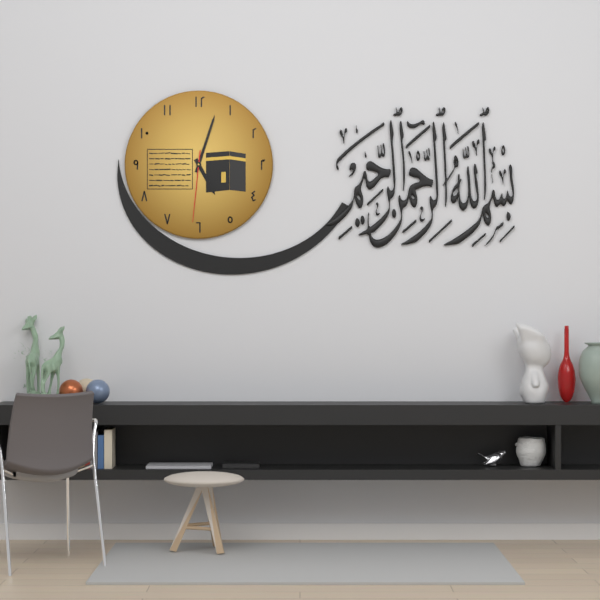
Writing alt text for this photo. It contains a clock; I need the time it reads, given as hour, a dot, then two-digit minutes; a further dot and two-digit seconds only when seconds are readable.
5.03.31
